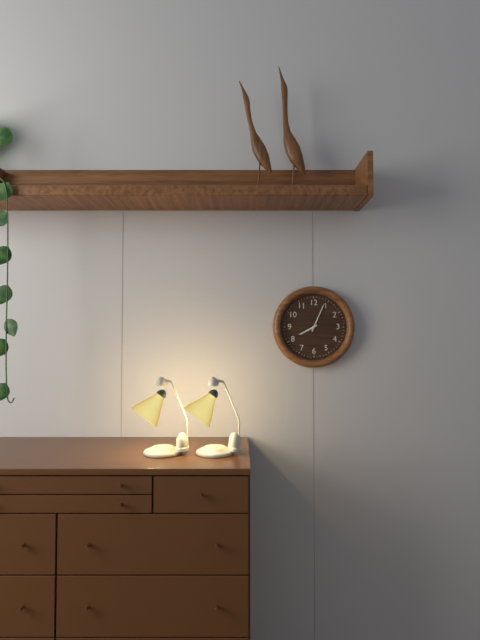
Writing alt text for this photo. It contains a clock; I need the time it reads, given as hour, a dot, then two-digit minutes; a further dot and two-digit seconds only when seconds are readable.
8.04
